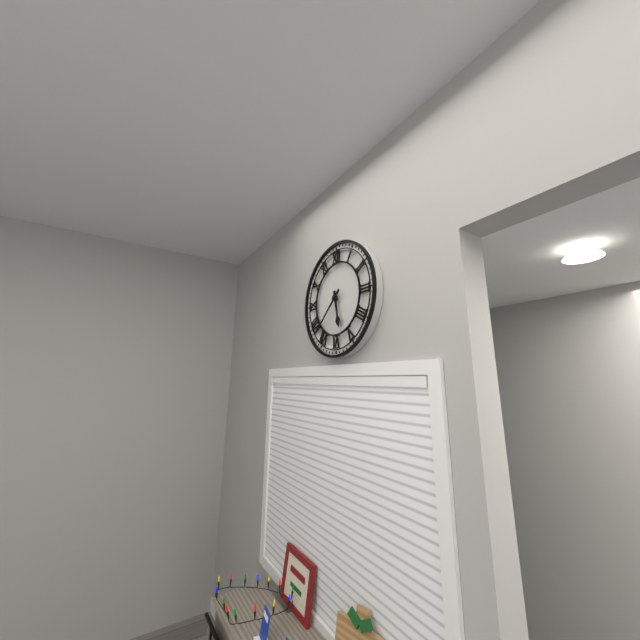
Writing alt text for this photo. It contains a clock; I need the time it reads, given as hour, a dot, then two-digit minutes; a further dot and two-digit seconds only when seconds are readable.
5.38
